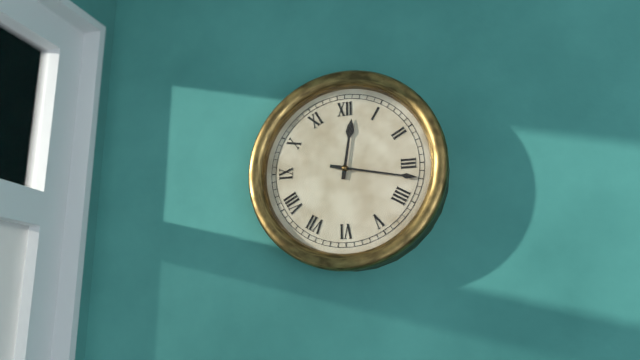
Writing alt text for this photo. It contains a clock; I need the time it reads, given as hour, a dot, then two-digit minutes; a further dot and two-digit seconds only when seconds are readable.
12.17
